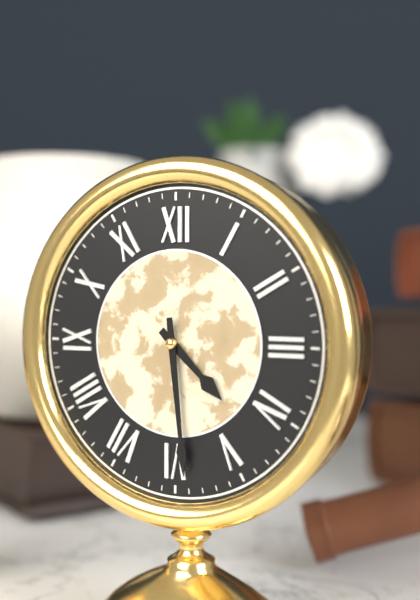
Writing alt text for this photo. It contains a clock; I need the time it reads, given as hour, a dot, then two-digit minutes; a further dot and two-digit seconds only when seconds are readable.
4.29
